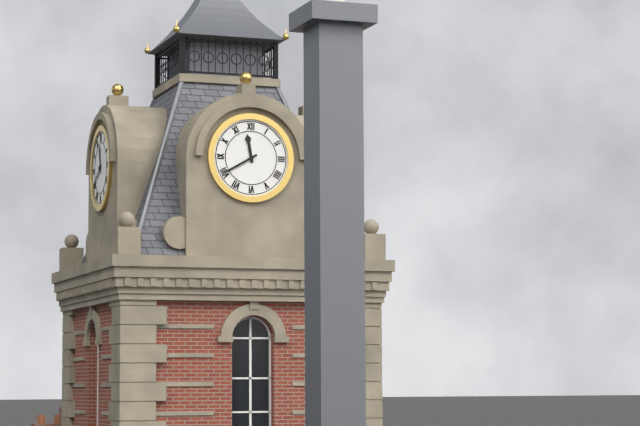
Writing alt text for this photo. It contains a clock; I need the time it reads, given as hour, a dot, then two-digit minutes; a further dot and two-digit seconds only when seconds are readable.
11.40
